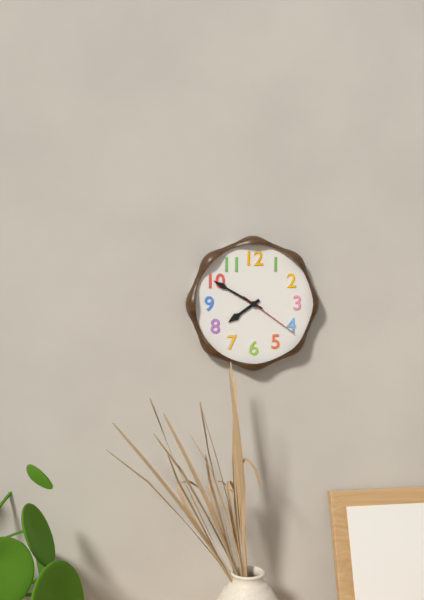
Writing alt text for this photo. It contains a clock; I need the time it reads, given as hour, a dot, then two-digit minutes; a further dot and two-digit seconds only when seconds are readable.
7.50.21
